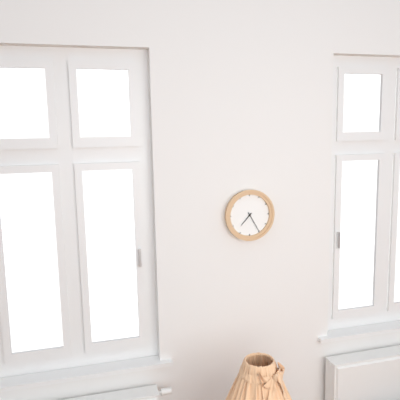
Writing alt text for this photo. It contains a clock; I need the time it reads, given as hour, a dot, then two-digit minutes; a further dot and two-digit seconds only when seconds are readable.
7.25
